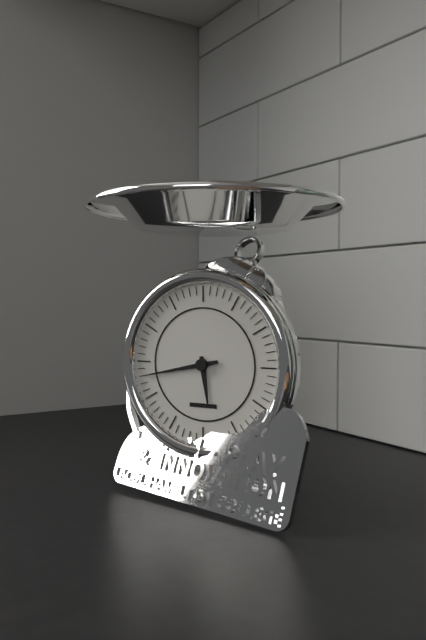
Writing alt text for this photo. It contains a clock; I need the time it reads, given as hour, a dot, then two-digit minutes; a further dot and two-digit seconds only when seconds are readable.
5.43
